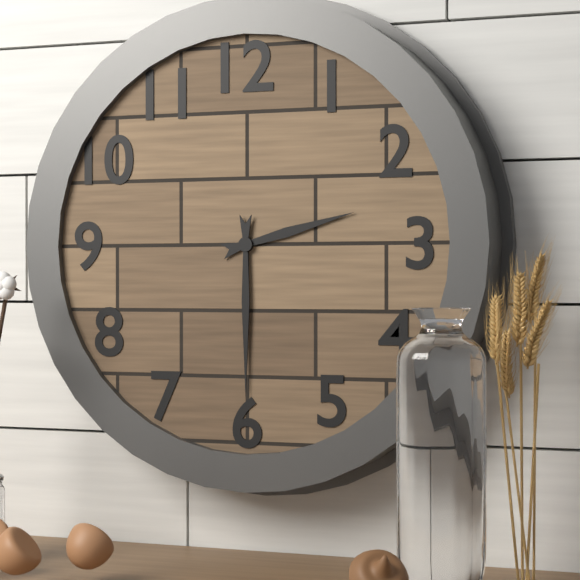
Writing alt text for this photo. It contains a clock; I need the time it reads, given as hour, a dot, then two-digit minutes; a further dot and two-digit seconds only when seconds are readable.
2.30
